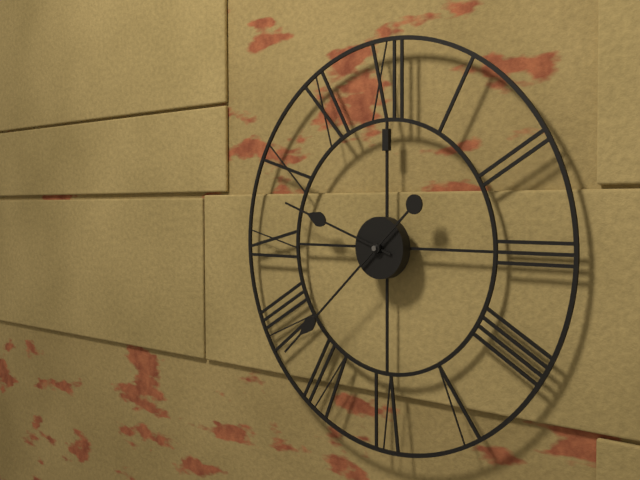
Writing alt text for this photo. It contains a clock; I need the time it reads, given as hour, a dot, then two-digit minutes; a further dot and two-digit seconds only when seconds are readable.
9.38
